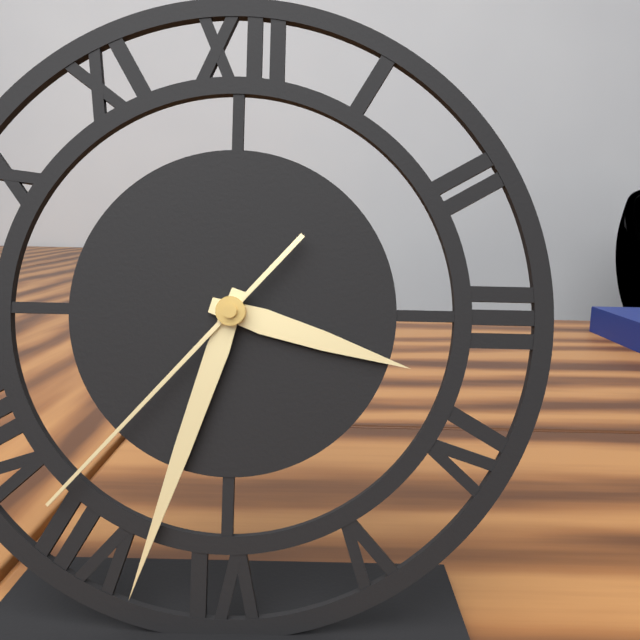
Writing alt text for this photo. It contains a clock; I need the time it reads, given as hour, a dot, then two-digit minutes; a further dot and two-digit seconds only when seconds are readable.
3.33.37
